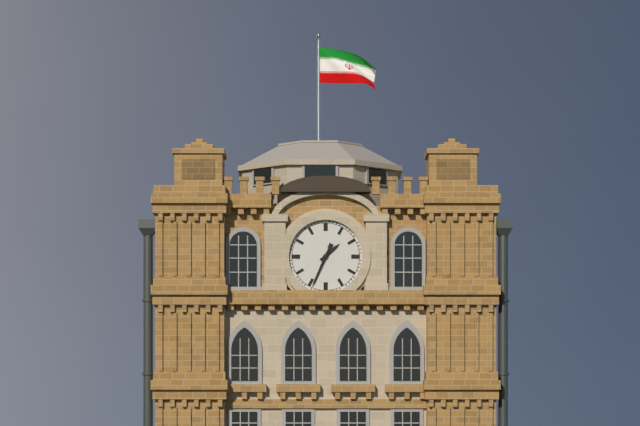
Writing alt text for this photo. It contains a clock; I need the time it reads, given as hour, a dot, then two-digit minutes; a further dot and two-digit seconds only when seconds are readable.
1.34
